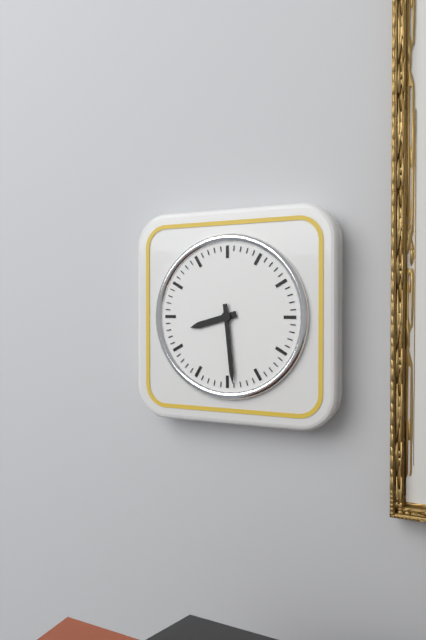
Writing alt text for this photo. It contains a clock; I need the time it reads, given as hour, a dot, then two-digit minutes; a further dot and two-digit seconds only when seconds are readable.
8.29
